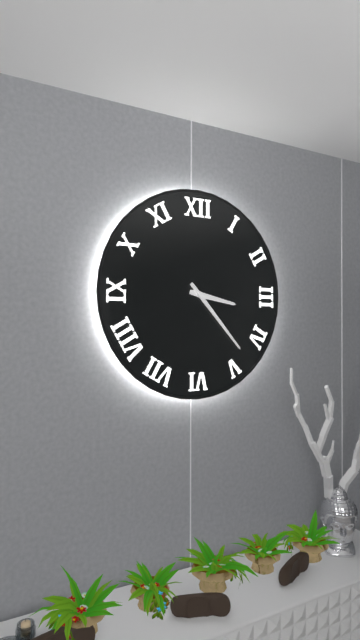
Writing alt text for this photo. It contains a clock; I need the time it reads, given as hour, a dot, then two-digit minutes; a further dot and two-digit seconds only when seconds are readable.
3.23
